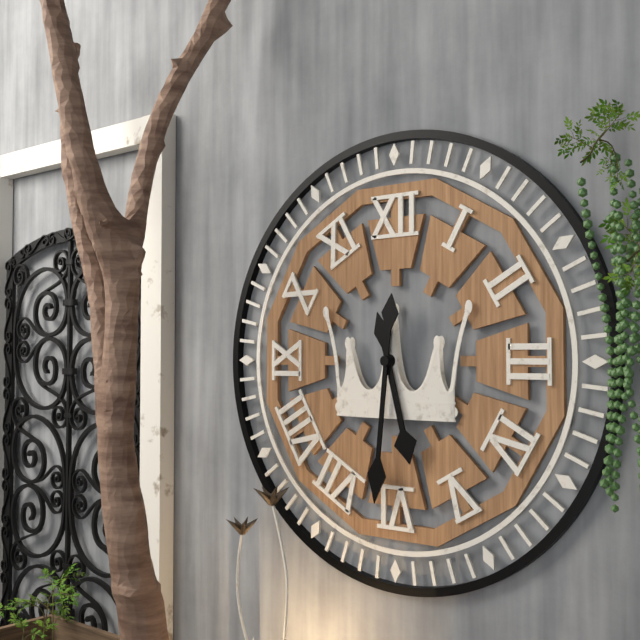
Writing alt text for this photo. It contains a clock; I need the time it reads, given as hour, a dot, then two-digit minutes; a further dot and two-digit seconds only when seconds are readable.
5.31
